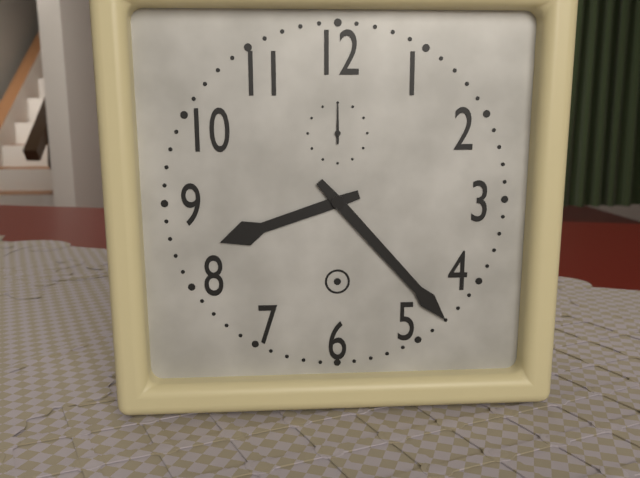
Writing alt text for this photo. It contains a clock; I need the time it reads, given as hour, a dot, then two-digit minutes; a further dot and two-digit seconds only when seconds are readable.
8.23
